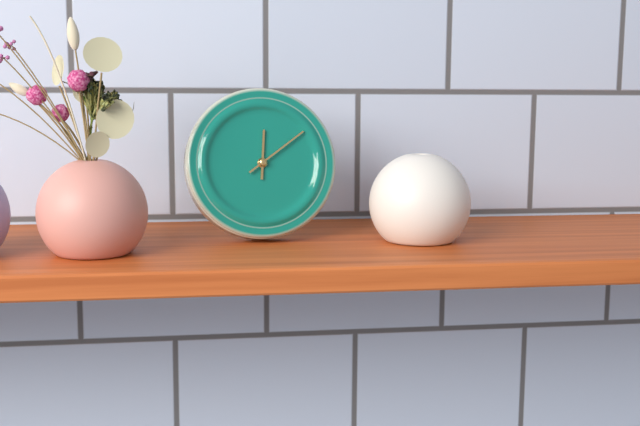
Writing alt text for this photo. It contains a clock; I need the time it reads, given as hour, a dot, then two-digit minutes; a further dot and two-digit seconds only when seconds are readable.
12.09
